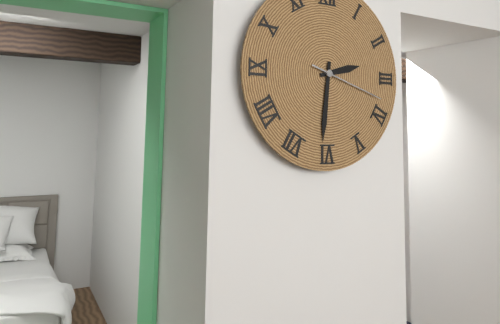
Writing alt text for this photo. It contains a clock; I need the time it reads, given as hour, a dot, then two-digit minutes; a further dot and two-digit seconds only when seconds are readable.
2.31.18
